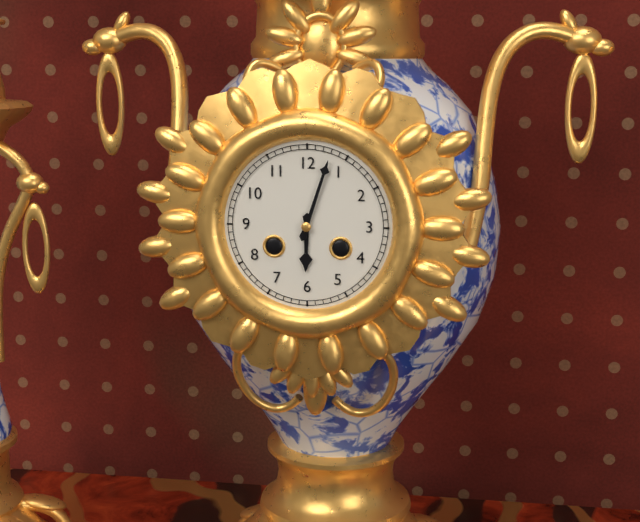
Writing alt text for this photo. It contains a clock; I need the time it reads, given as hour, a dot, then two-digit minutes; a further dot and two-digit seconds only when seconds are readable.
6.03
